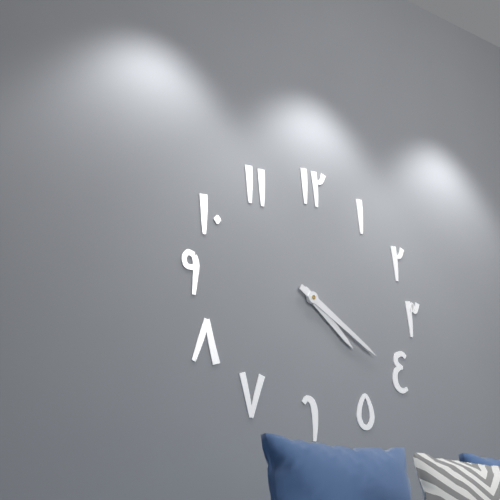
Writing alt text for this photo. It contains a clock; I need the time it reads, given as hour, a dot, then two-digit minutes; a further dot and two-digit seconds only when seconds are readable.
4.20
